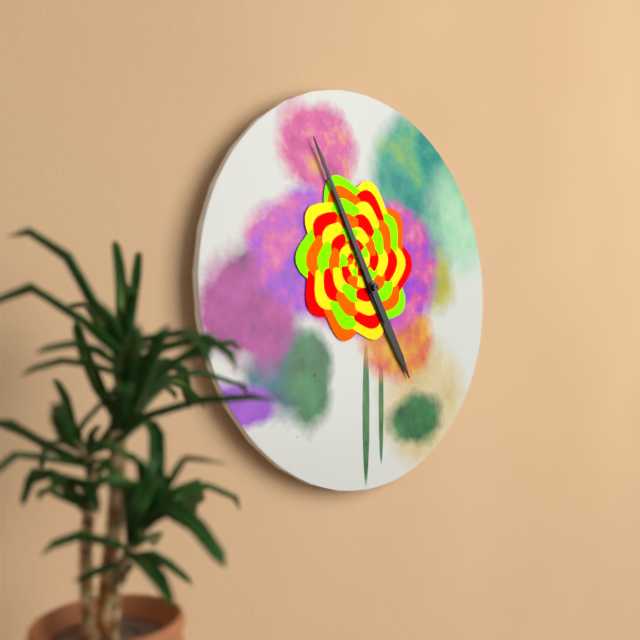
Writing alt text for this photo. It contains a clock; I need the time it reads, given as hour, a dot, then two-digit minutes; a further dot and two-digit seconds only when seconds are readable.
4.55
